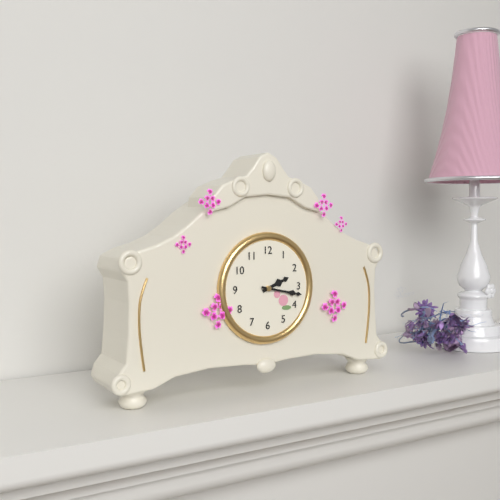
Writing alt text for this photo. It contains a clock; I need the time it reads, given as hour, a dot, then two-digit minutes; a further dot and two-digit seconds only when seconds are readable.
2.17
